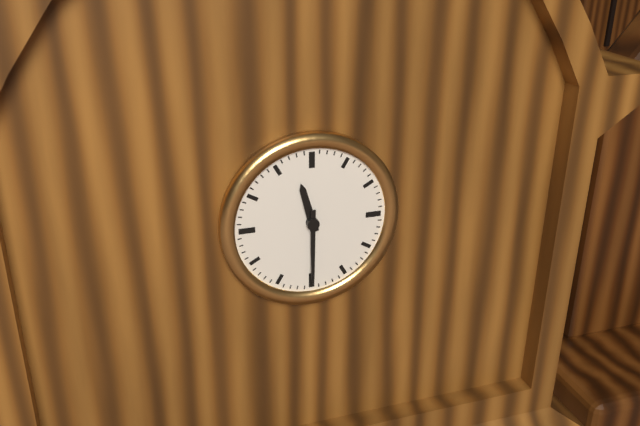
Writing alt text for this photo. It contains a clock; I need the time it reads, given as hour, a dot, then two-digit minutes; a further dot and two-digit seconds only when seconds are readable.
11.30
